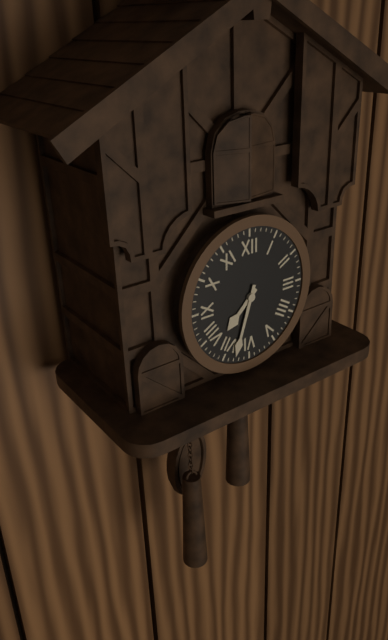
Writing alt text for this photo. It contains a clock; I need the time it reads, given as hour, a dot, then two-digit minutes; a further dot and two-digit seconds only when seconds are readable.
7.33
